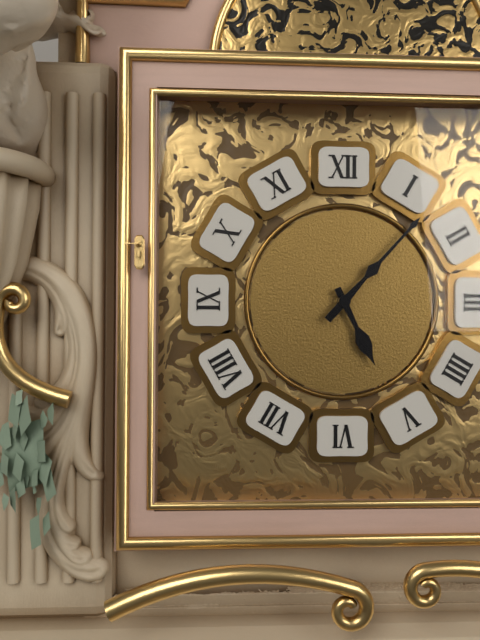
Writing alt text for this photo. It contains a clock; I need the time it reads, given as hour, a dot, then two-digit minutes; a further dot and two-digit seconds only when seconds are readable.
5.07
